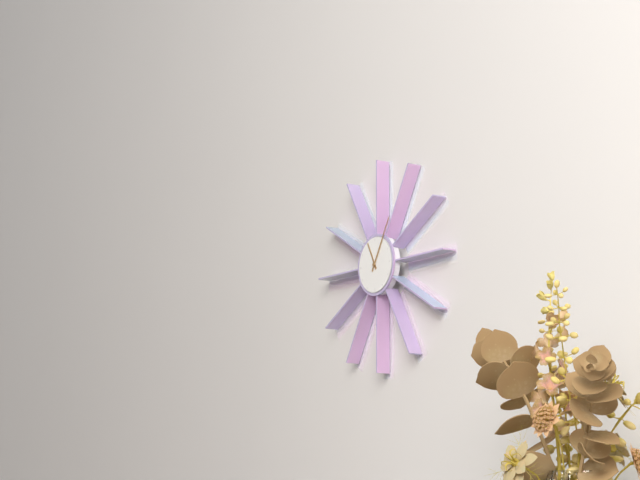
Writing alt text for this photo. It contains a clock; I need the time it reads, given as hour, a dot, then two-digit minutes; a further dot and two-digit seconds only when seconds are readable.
11.05
